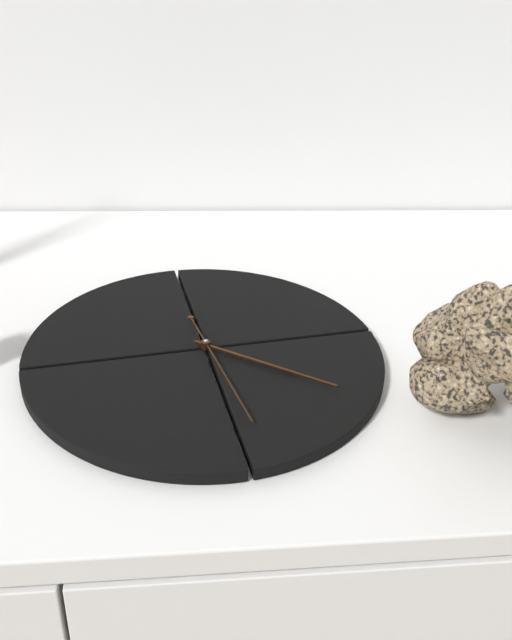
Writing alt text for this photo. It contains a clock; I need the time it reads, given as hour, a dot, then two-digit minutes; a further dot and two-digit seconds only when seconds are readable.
4.22.29
